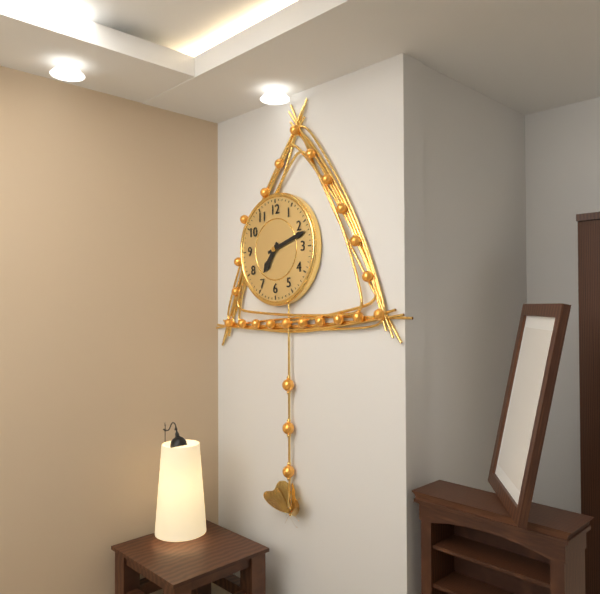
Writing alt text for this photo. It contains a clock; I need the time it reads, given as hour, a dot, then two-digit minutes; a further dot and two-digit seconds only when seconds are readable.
7.12
